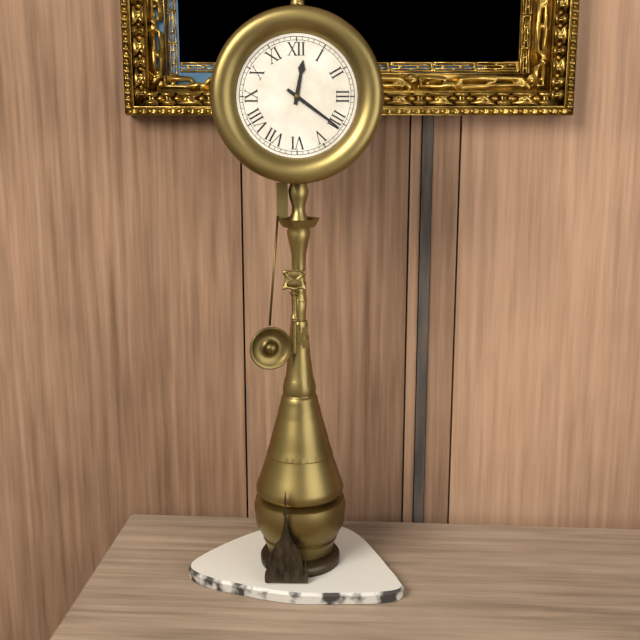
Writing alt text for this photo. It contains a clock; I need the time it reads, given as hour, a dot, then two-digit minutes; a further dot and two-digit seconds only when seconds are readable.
12.21
